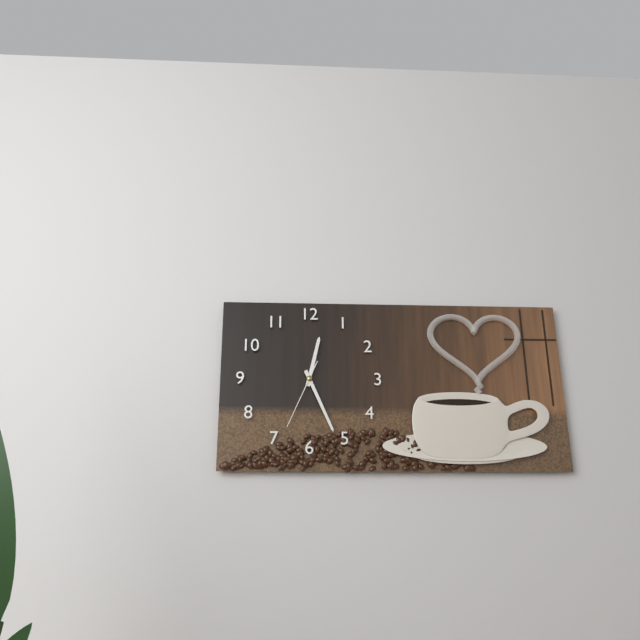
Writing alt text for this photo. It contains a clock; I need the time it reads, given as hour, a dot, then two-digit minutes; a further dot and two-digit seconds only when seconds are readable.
12.26.34
